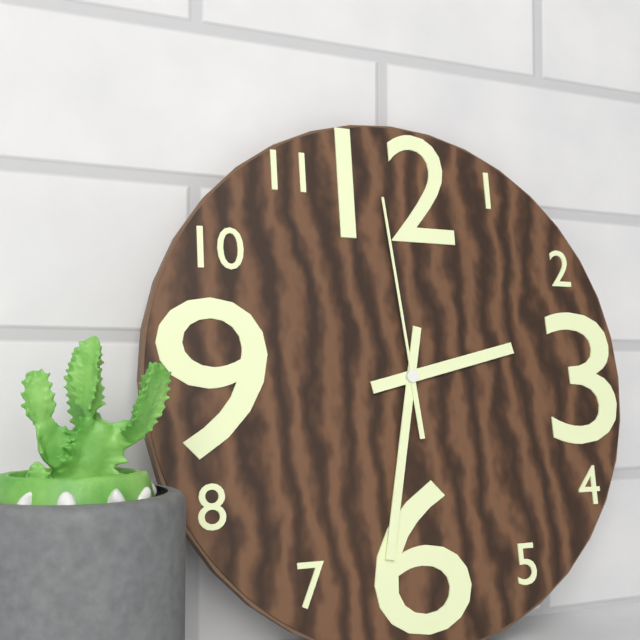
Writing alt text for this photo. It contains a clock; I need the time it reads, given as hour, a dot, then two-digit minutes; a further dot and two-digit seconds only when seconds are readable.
2.32.59
